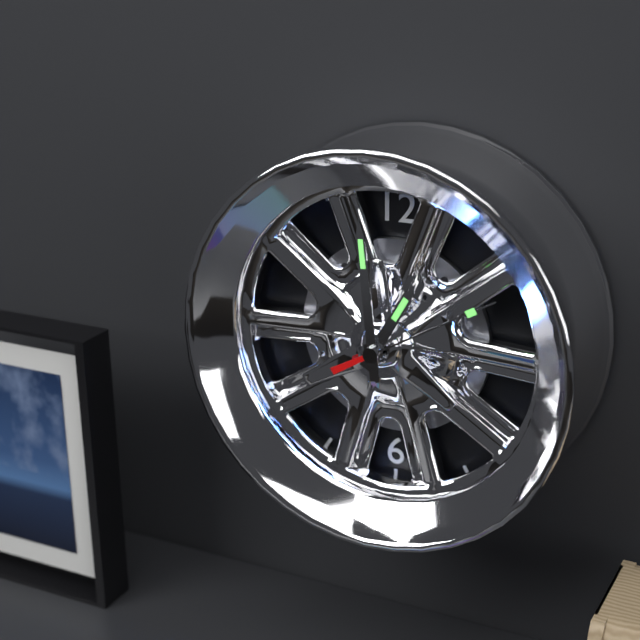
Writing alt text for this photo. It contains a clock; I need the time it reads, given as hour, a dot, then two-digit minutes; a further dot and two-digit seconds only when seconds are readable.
12.59.10
